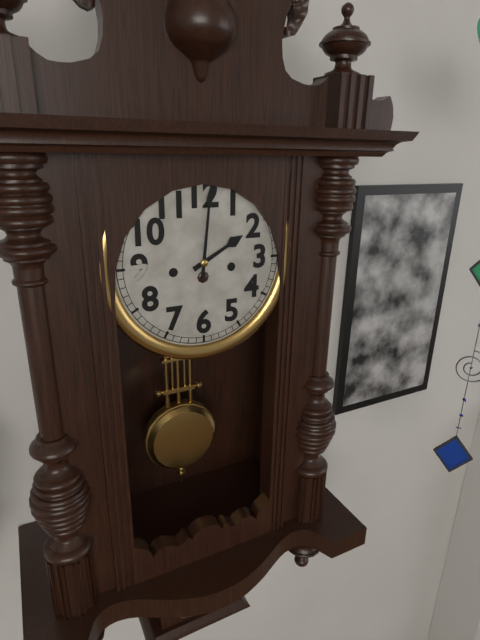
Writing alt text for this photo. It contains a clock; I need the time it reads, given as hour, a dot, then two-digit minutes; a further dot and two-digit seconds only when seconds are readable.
2.01
